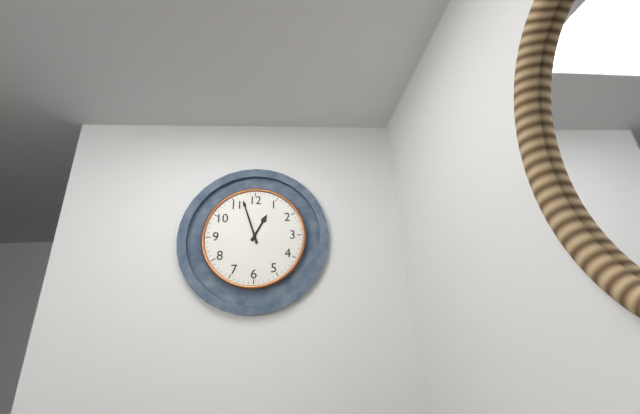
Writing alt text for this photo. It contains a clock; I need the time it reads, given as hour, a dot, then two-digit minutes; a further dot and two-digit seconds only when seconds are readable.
12.57
